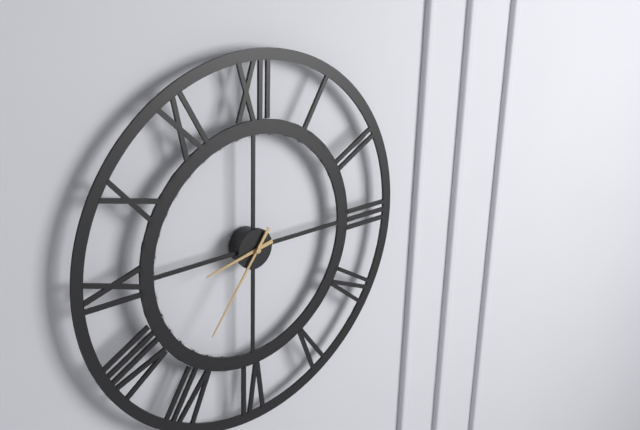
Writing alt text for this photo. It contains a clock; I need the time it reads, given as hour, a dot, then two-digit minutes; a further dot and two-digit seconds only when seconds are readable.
8.36
